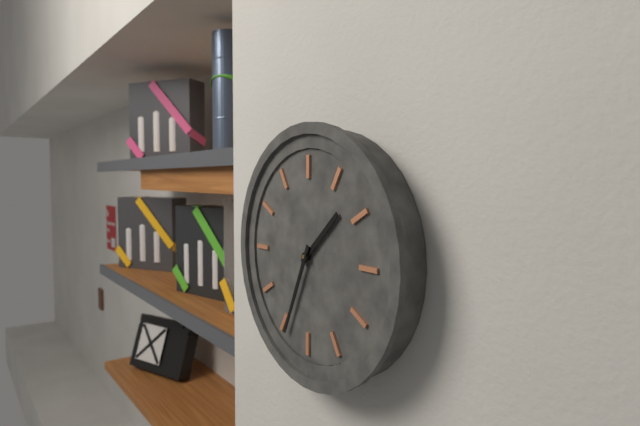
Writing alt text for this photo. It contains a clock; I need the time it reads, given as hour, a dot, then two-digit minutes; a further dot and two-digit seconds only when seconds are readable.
1.34
